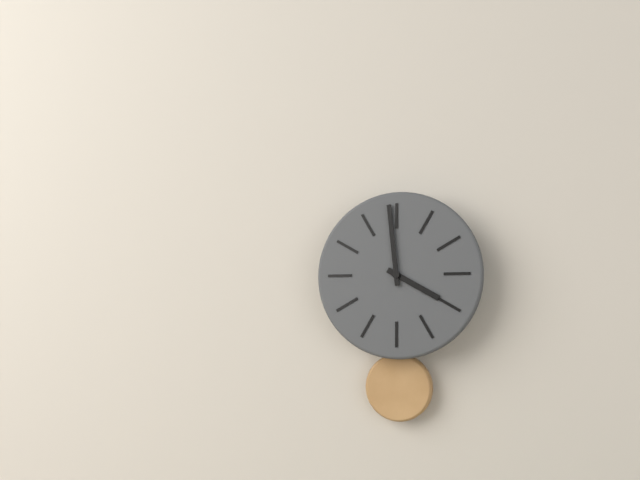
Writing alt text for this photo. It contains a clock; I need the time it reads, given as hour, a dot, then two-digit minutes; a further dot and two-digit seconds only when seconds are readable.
3.59
